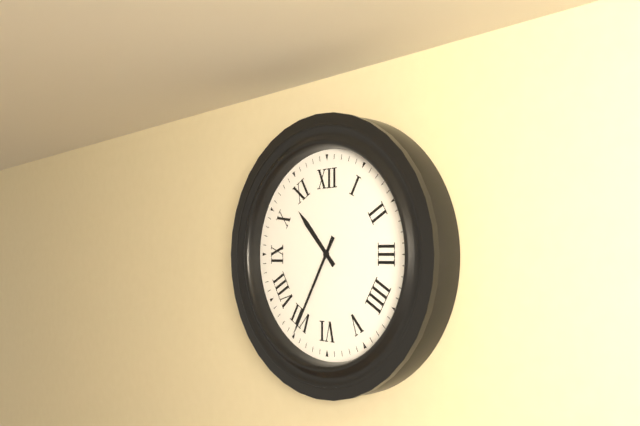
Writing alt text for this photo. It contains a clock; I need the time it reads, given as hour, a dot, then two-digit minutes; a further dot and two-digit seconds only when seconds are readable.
10.35
